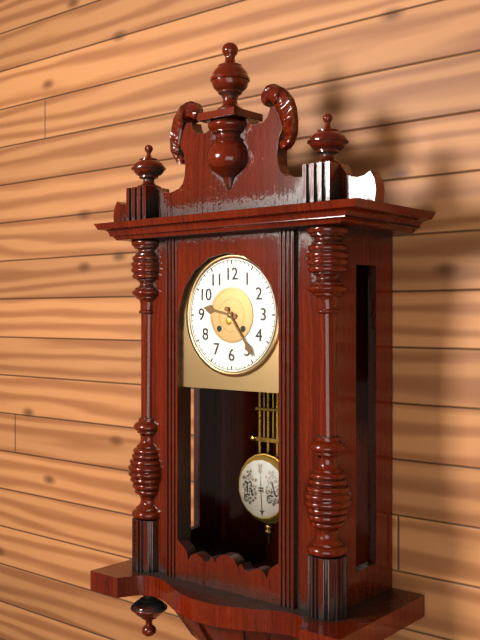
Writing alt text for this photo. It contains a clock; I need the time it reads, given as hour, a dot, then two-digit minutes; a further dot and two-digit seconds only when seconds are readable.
9.24
